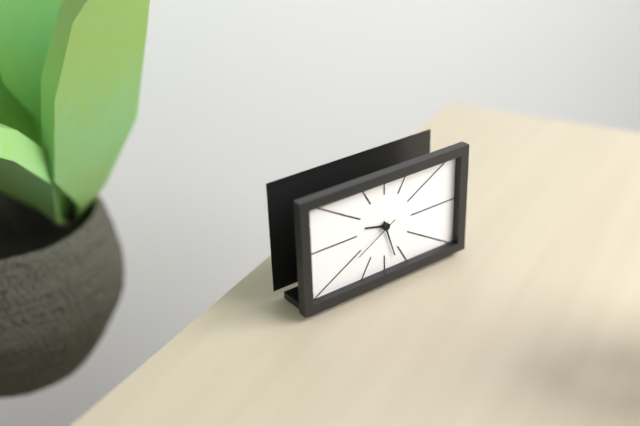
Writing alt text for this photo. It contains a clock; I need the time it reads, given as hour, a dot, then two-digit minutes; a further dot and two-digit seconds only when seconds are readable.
9.27.40
